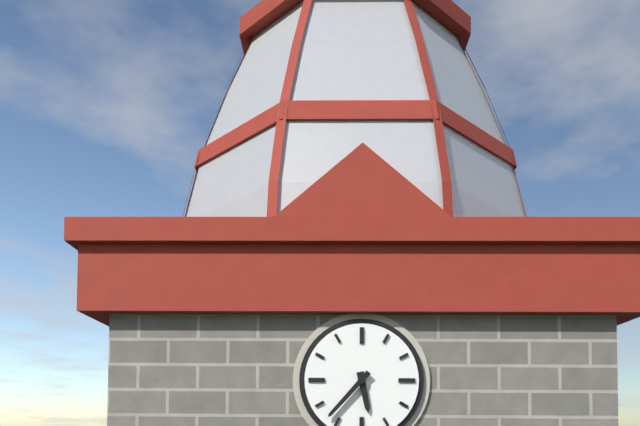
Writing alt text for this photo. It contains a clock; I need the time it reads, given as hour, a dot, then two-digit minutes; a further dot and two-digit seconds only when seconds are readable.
5.37
